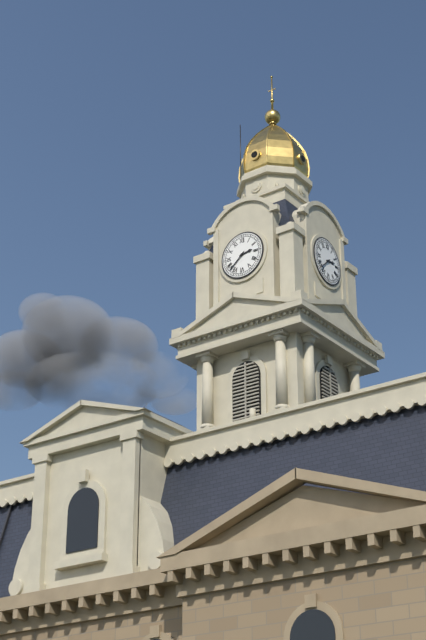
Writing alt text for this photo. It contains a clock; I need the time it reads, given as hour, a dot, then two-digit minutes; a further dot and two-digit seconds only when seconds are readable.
2.38
